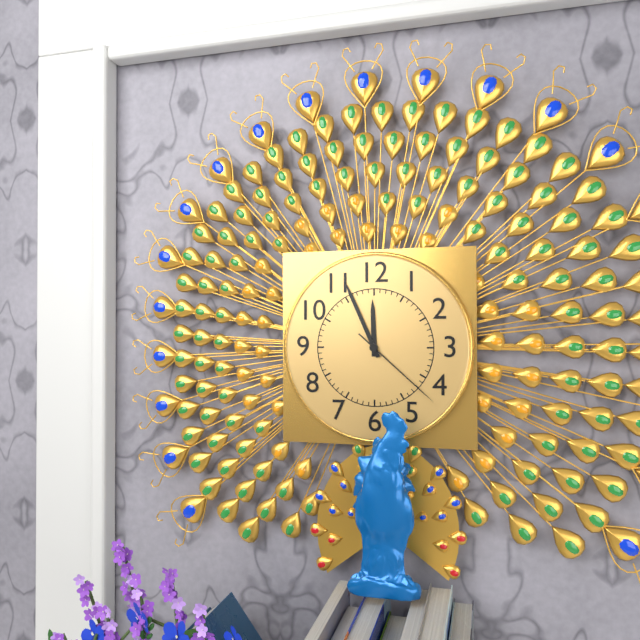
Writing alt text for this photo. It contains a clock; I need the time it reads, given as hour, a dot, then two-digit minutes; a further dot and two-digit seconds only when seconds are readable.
11.56.22
